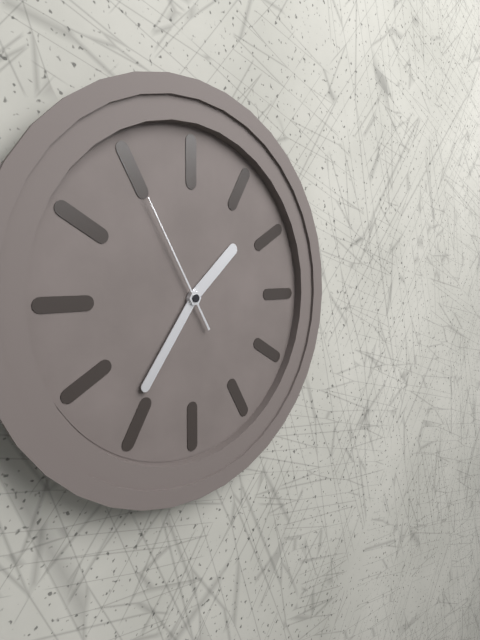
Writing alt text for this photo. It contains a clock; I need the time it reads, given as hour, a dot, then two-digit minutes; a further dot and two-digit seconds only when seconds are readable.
1.36.55
